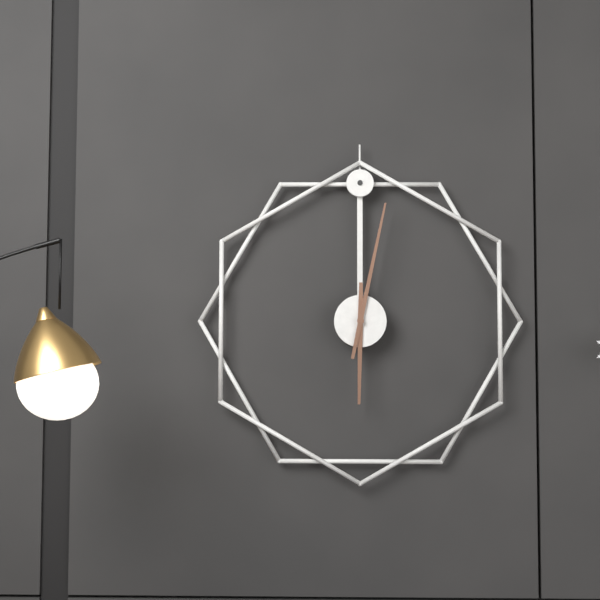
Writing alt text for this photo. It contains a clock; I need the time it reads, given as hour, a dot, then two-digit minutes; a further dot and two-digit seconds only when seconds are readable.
6.02
